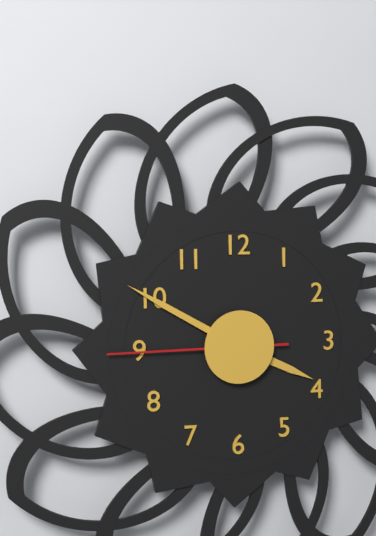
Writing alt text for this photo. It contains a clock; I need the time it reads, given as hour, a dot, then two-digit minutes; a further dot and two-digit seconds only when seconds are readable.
3.50.45
